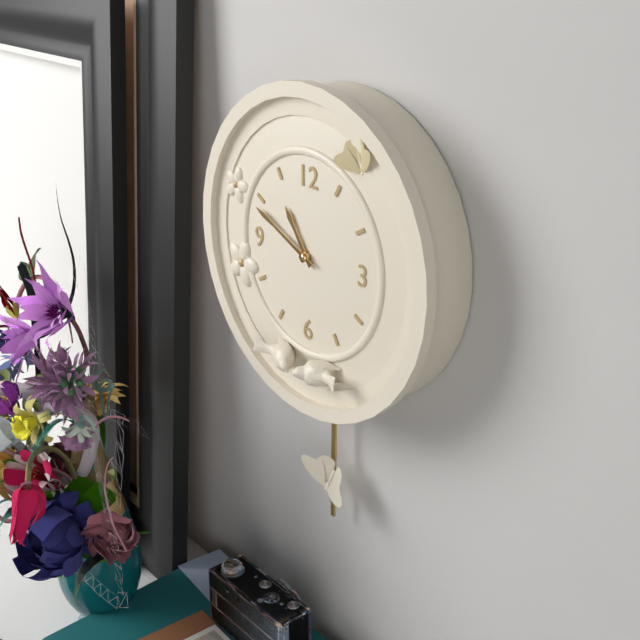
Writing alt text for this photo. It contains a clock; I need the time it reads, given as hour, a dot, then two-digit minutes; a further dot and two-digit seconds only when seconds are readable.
10.49
